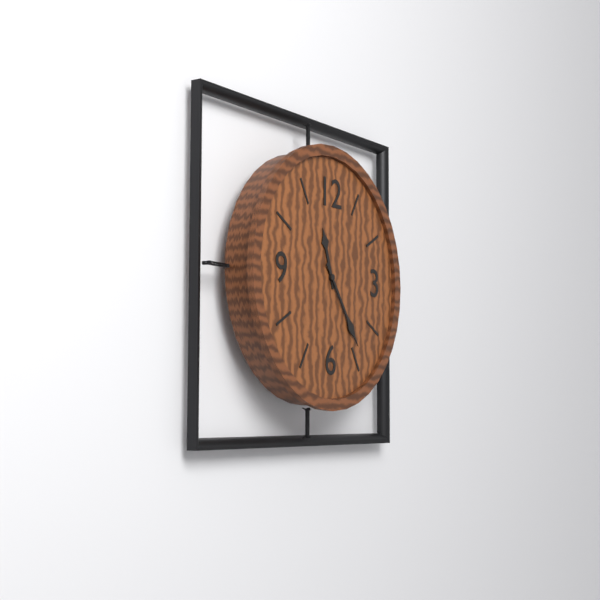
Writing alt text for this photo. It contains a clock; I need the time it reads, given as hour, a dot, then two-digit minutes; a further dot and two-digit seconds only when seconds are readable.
11.24
